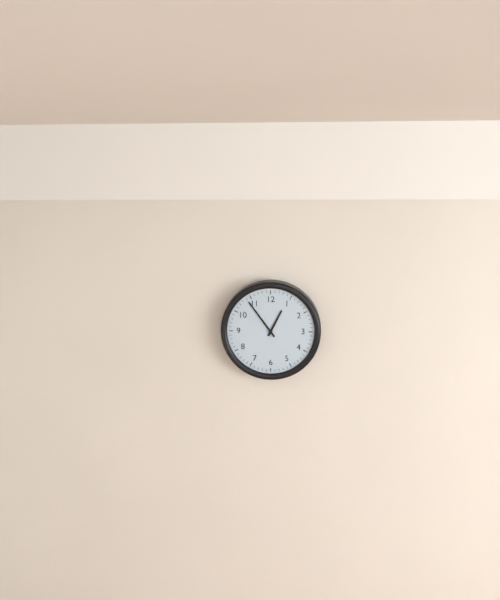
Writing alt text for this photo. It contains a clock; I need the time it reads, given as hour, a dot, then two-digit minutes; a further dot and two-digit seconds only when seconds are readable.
12.54
